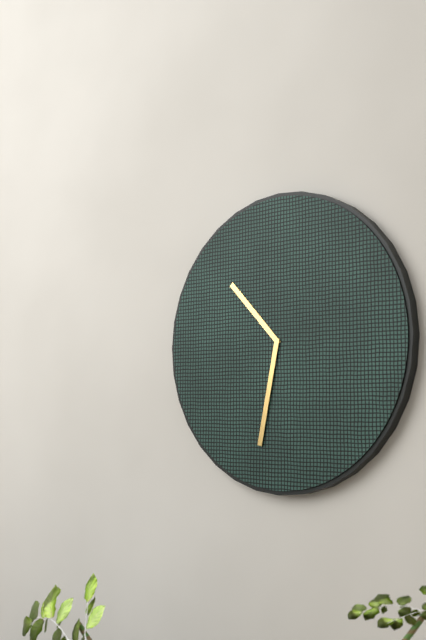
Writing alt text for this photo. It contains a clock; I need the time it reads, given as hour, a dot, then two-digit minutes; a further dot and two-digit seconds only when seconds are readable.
10.32
